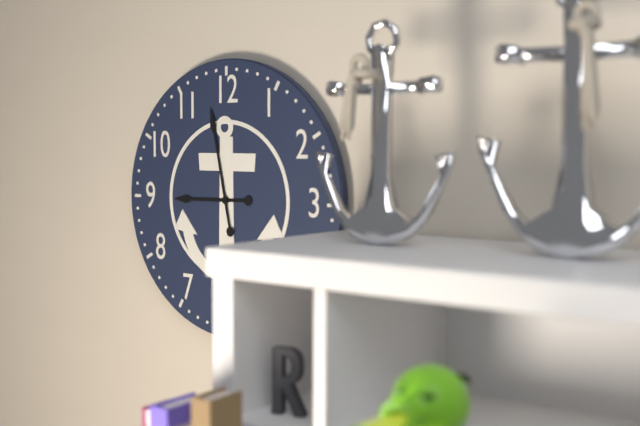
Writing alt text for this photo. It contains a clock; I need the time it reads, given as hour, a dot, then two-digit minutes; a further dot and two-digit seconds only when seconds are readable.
8.58
